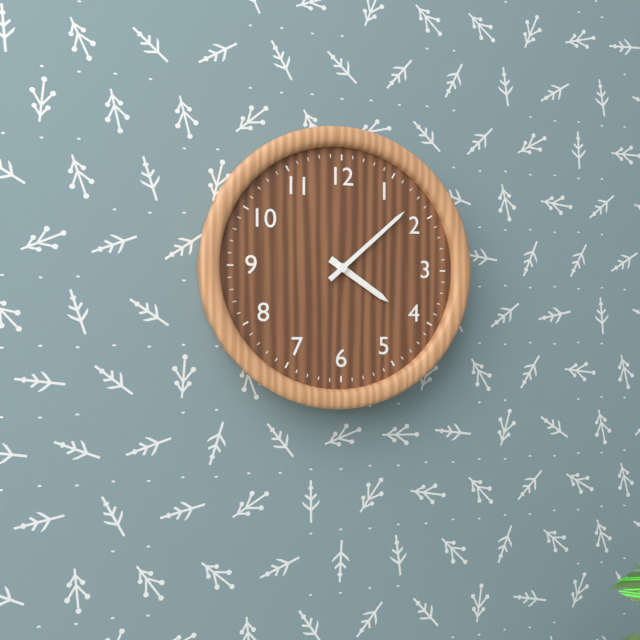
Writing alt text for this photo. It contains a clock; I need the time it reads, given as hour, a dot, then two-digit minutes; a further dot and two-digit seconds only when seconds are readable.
4.08
